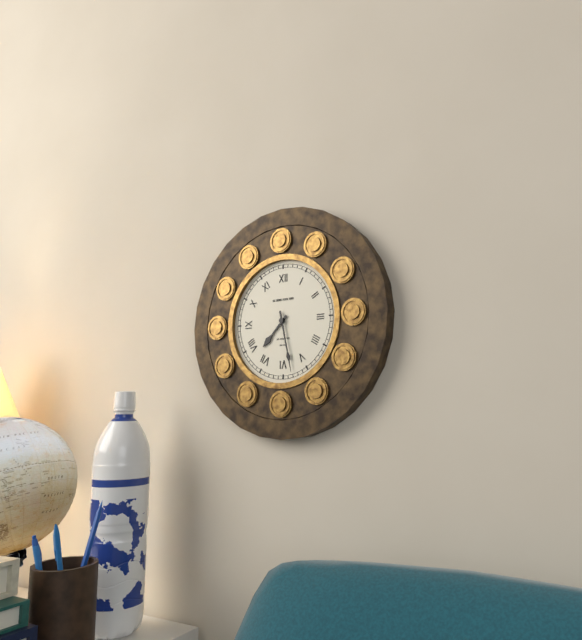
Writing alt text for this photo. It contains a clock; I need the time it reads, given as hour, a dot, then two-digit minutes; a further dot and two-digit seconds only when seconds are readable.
7.28
